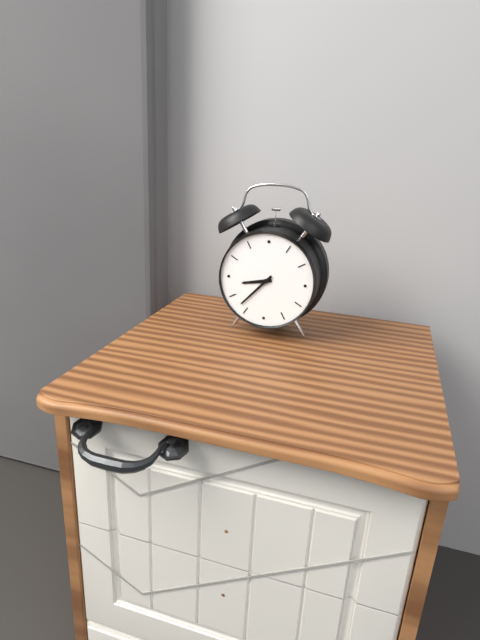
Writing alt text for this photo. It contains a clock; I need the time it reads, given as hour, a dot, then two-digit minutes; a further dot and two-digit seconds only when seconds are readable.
8.37
